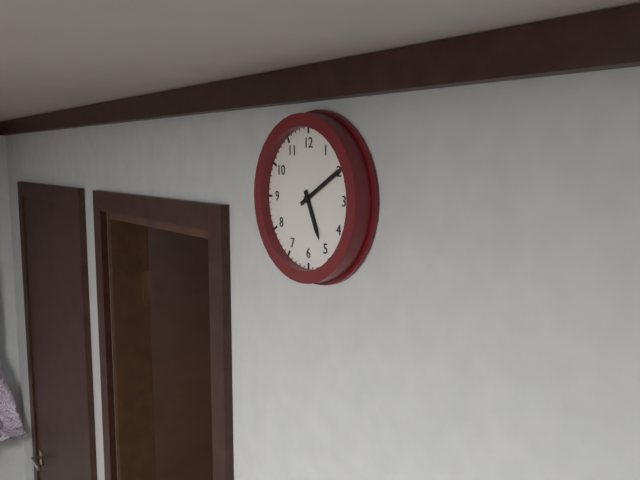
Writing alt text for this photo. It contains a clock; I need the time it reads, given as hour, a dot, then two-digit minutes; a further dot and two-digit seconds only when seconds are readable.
5.10
